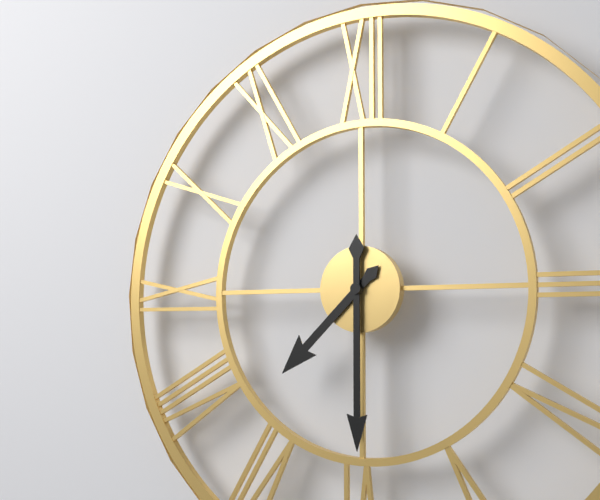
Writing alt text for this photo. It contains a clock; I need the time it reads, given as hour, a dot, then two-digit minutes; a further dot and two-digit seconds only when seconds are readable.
7.30
